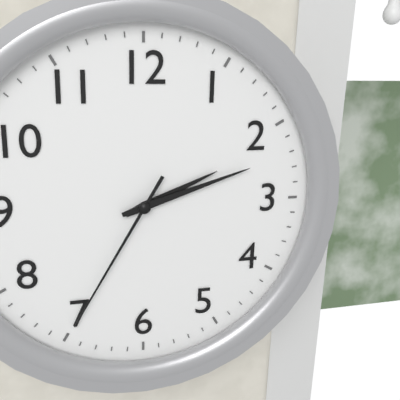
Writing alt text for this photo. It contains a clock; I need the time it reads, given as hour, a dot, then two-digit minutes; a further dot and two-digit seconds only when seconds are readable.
2.12.35
